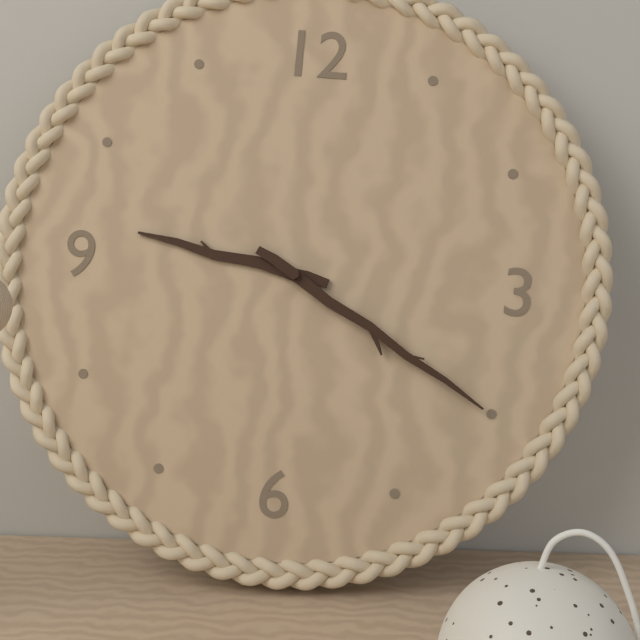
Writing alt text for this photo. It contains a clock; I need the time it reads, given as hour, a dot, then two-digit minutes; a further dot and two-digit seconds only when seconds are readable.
9.20
